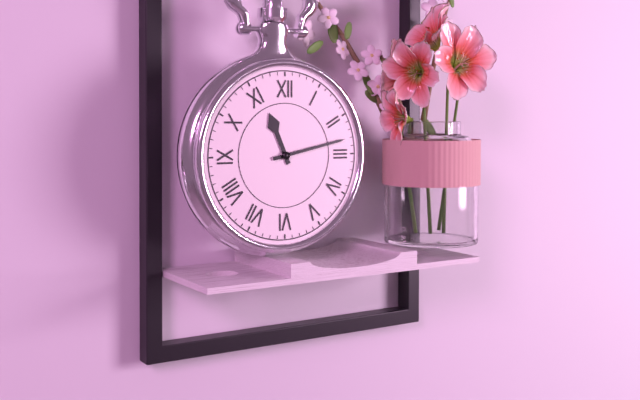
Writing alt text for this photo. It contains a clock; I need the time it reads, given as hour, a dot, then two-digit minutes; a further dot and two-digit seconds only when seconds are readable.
11.13
